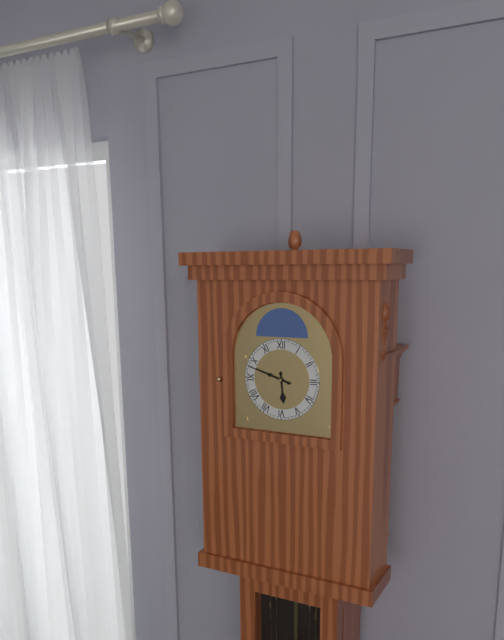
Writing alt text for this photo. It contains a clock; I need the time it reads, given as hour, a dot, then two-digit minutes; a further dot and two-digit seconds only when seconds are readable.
5.48
